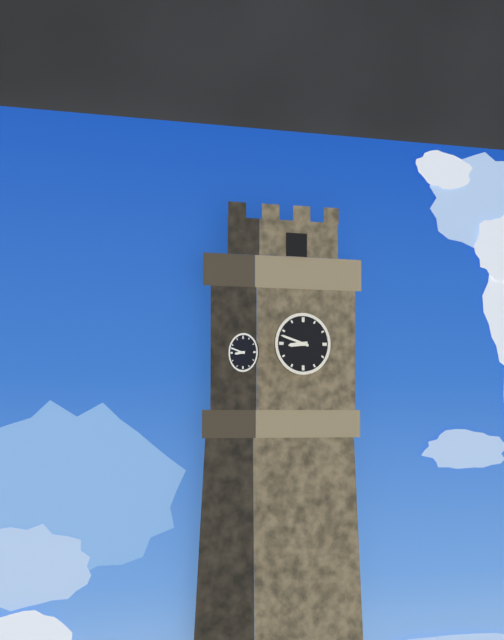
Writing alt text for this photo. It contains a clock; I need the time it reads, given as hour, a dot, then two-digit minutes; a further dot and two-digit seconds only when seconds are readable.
8.48
